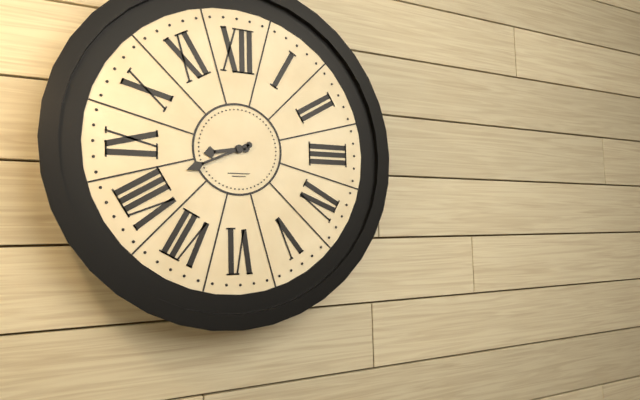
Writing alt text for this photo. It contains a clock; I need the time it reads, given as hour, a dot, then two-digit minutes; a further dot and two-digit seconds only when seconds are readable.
8.41
